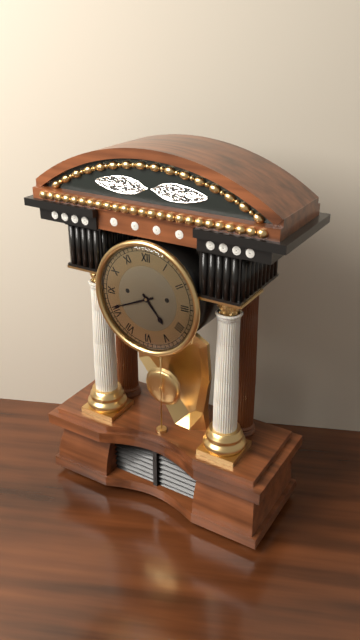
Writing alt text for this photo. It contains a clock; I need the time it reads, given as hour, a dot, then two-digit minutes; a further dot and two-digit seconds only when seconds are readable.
4.41
